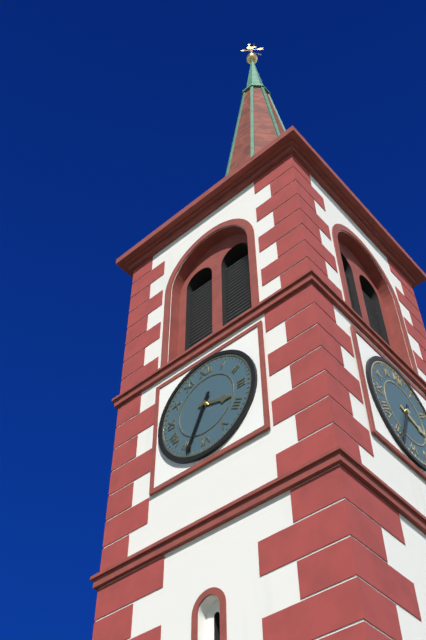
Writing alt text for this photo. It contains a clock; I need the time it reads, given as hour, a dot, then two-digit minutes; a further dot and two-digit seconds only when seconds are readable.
3.34
